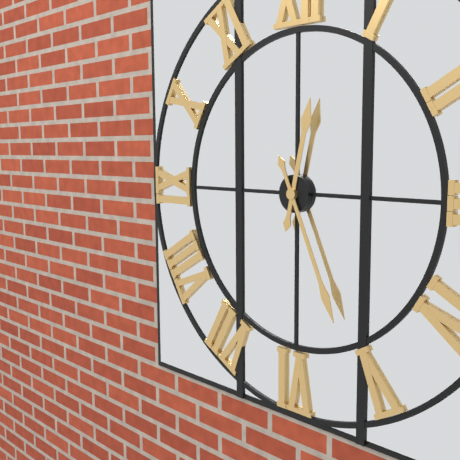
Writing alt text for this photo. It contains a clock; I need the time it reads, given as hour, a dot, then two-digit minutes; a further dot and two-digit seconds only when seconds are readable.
12.26
